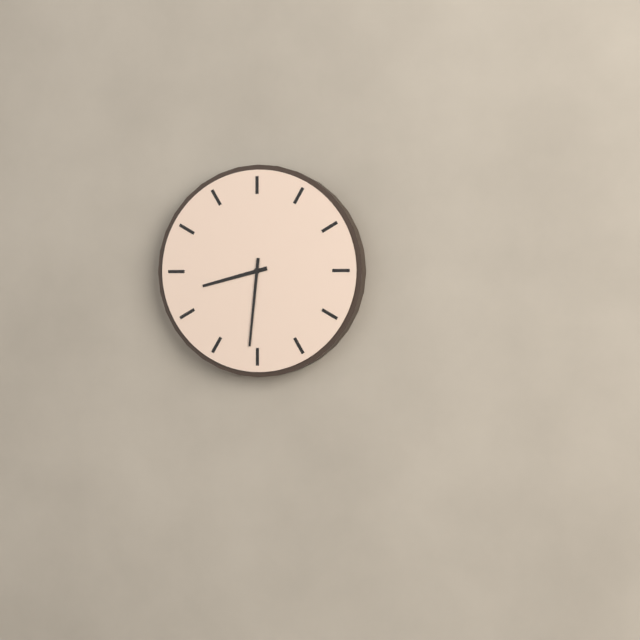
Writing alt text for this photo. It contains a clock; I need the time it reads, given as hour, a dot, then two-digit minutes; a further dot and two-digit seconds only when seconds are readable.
8.31
